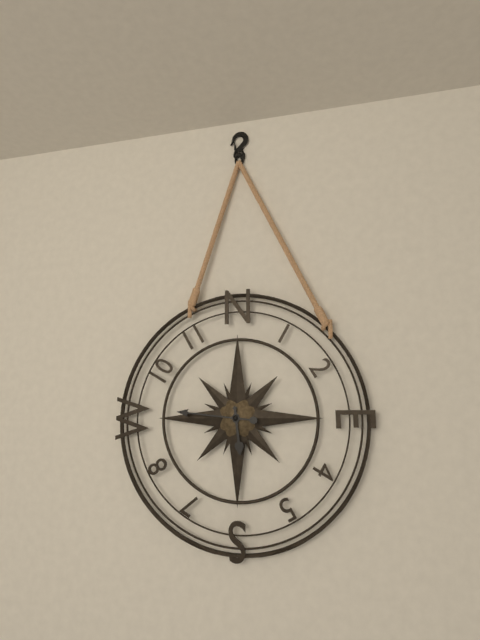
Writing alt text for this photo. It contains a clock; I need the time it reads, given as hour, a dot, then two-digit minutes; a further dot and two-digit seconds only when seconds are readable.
5.46
